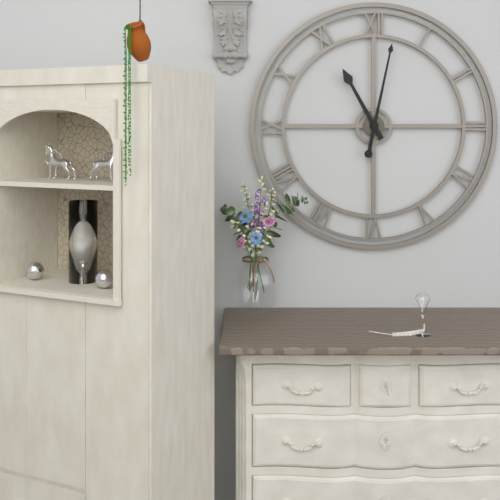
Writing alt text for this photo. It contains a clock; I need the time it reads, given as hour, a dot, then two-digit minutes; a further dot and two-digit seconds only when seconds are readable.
11.02
